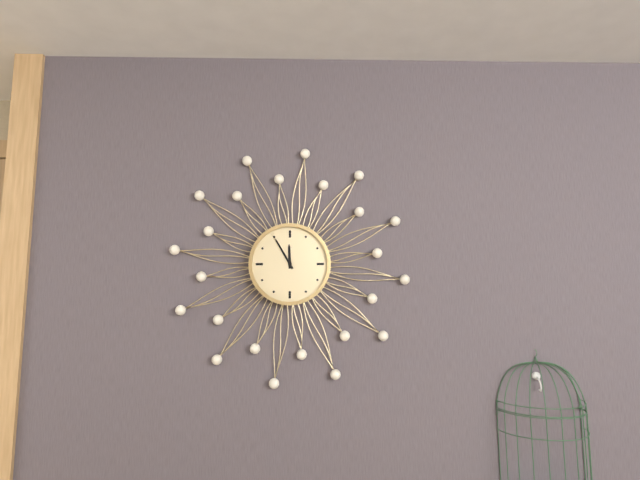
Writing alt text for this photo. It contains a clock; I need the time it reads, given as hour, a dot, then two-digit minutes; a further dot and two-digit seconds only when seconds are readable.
11.55
